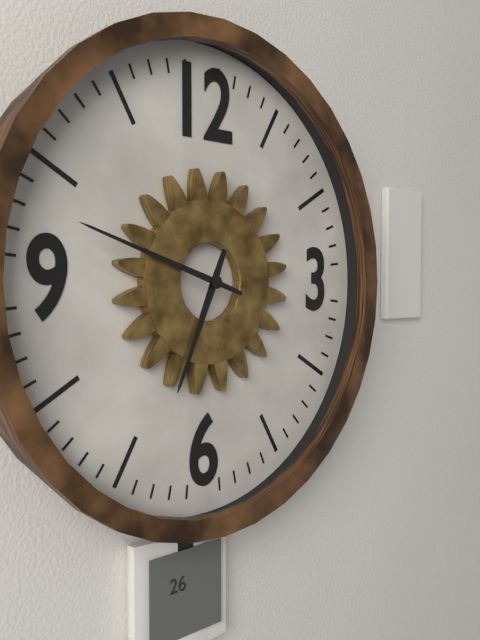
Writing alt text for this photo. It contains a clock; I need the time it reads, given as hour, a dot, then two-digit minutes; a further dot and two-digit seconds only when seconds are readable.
6.48
